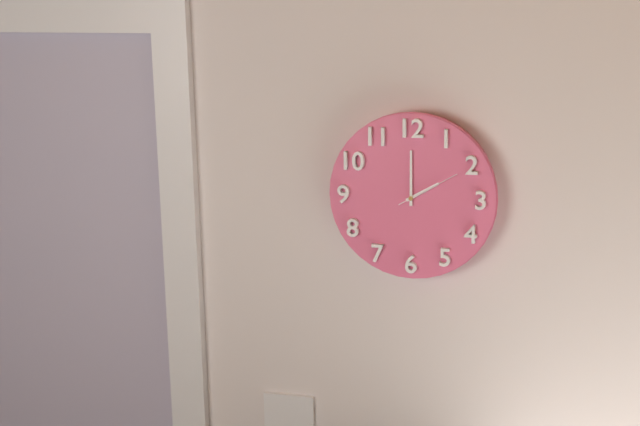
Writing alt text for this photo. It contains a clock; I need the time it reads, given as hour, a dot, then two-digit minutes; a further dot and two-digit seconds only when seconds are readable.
2.00.10
